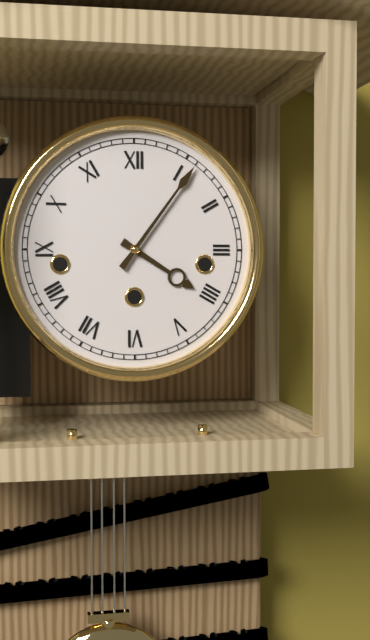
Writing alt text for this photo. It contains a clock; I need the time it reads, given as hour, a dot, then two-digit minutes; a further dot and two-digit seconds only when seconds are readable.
4.06
